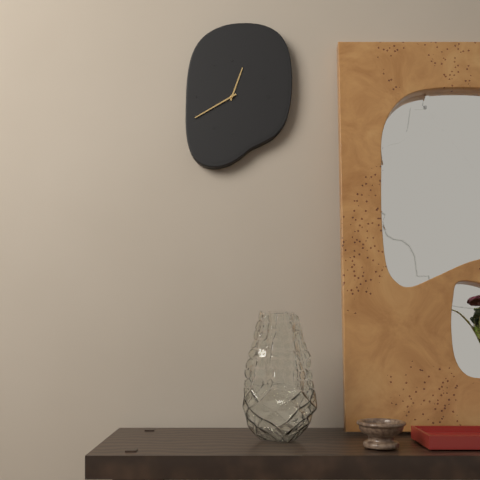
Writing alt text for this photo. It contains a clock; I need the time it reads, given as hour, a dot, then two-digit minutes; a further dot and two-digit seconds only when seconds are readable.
12.40
